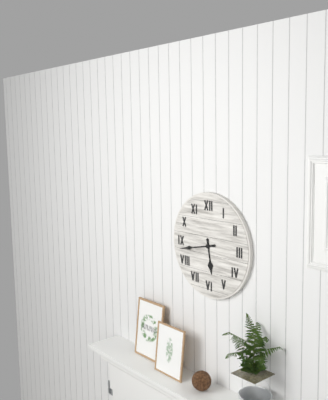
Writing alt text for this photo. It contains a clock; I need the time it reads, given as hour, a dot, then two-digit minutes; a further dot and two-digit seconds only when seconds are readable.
5.43
